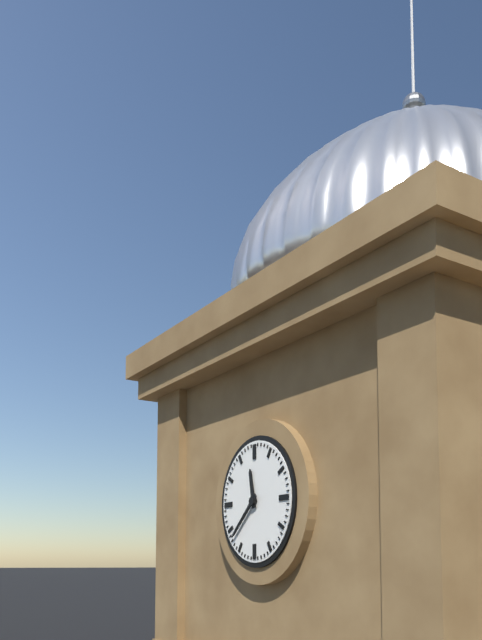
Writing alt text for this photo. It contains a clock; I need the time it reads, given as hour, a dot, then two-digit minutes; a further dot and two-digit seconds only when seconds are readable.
11.38
